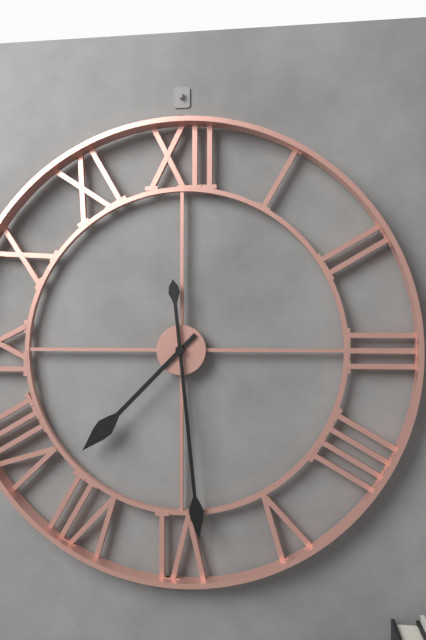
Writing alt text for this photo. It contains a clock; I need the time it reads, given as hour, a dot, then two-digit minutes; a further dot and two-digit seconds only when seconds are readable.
7.29
